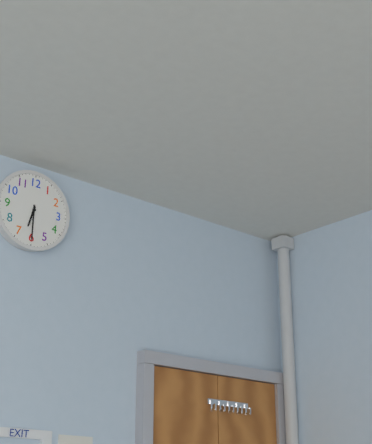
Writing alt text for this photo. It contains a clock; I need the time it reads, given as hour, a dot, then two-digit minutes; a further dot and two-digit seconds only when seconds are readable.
6.30
